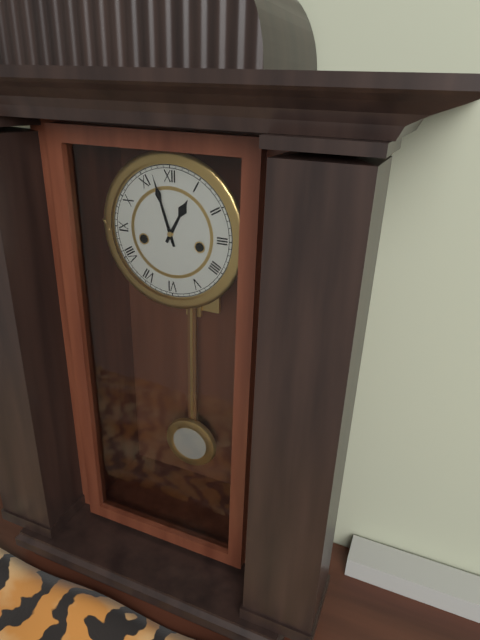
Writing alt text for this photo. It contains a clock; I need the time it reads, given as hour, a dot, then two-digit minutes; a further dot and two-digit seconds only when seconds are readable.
12.57
